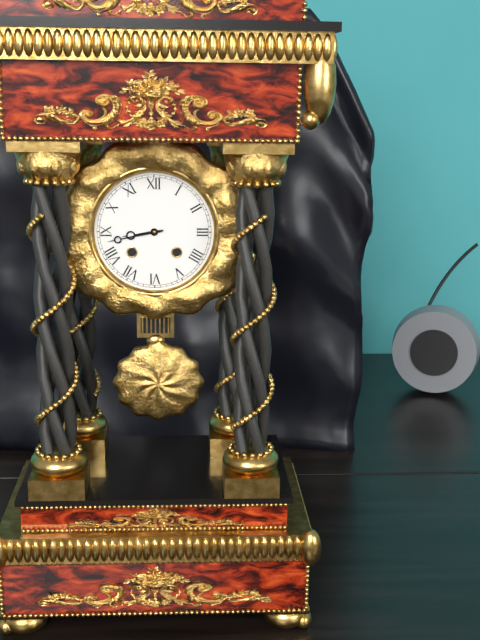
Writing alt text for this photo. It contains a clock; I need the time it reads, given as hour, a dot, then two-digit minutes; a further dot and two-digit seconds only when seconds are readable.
8.43
